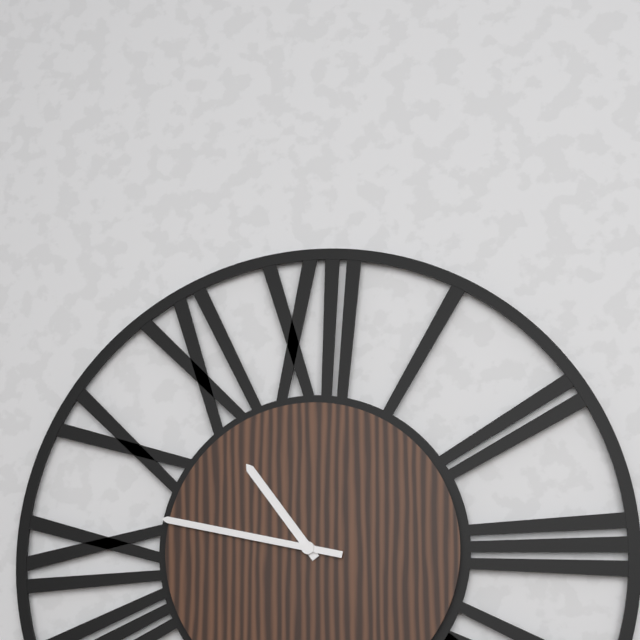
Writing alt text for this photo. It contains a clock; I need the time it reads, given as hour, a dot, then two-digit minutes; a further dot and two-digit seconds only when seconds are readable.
10.47
